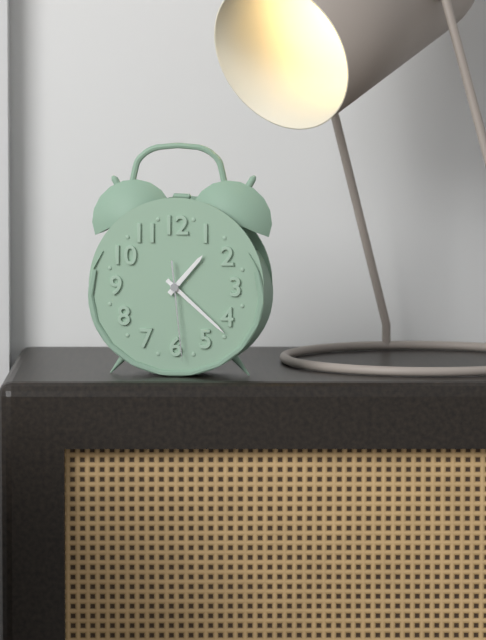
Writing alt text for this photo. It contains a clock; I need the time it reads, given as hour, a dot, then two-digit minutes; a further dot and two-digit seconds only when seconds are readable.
1.22.29
